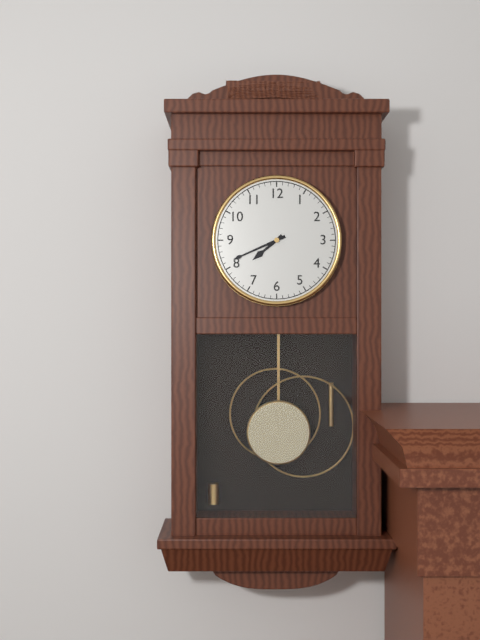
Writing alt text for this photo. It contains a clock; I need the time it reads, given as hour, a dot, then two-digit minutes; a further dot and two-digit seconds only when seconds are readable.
7.41
